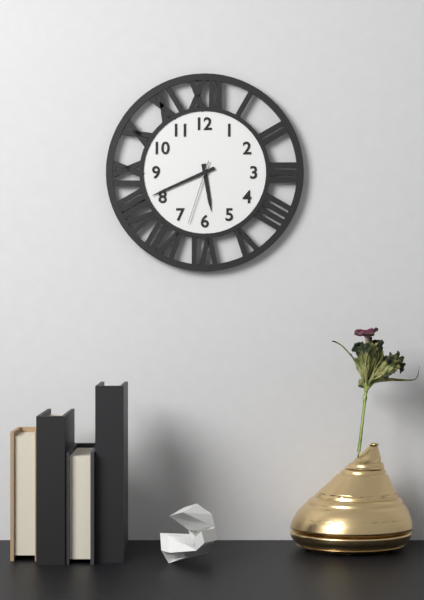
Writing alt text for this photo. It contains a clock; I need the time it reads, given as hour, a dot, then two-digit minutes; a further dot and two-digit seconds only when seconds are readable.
5.41.33
